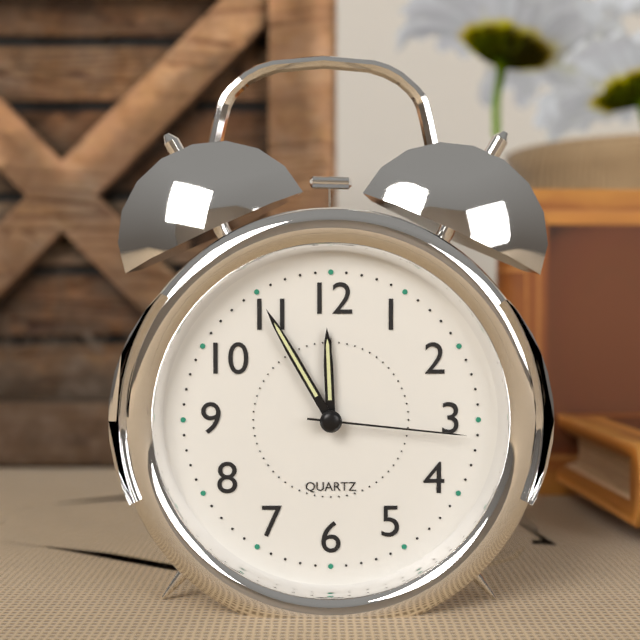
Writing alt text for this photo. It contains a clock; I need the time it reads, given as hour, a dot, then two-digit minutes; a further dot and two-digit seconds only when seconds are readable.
11.55.16
